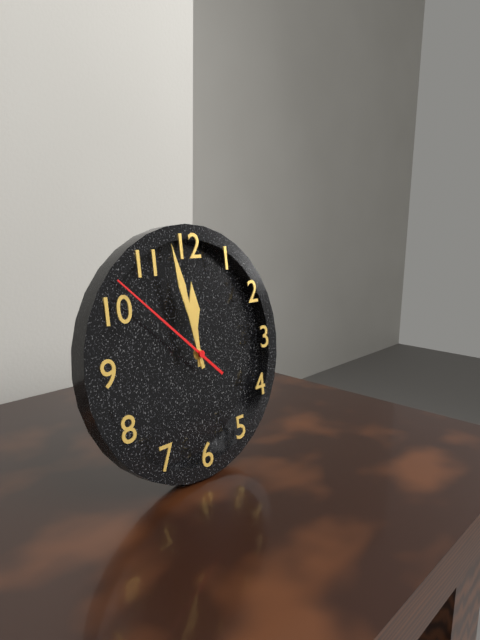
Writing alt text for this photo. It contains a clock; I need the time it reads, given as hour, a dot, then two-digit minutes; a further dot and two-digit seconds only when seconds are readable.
11.58.52
